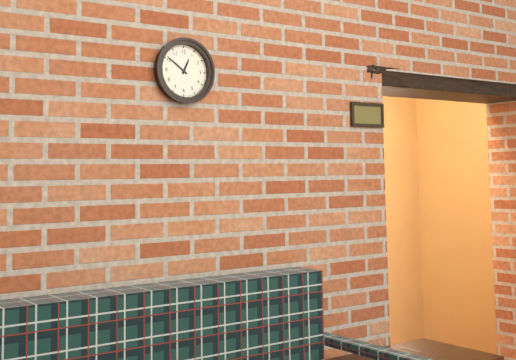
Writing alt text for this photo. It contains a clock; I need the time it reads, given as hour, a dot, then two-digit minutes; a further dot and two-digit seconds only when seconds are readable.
12.51
